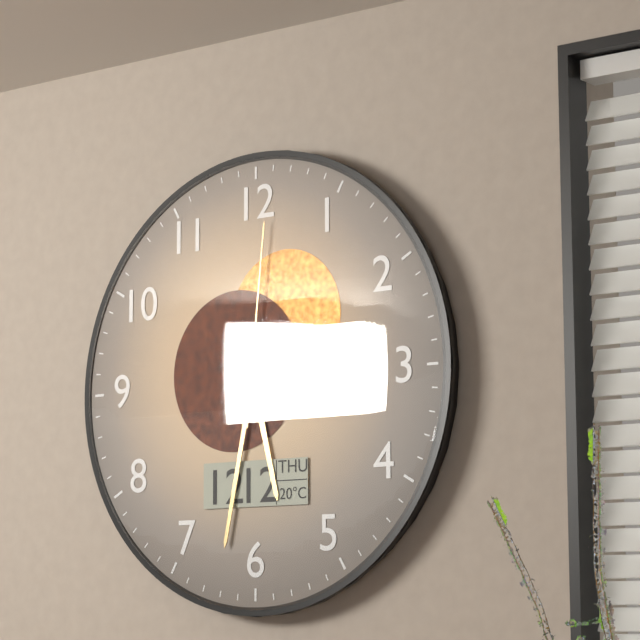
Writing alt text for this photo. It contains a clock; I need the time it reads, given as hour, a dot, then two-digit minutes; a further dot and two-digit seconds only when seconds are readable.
5.32.01
